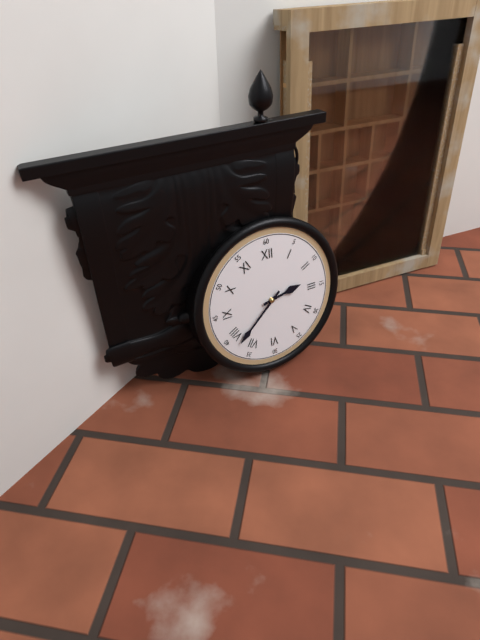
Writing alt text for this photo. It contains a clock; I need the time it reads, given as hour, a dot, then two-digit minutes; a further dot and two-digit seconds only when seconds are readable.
2.38
